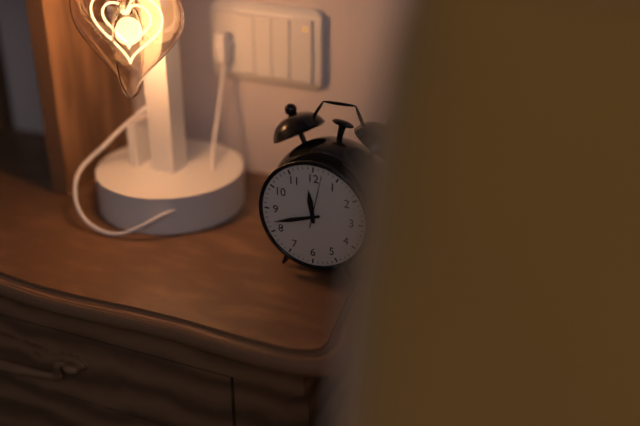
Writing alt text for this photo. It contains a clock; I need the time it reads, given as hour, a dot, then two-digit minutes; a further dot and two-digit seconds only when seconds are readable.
11.42.02
